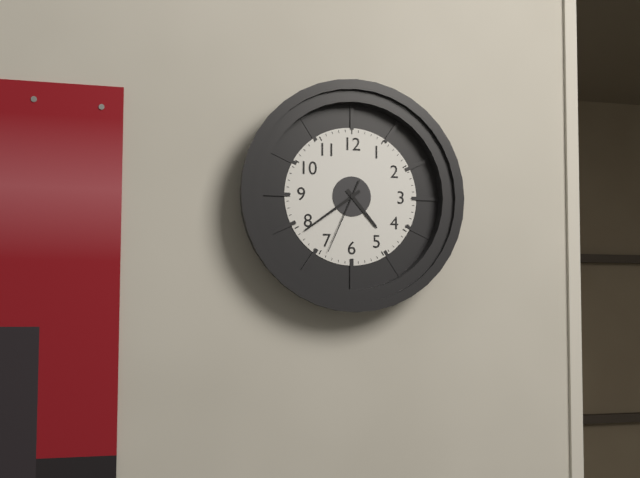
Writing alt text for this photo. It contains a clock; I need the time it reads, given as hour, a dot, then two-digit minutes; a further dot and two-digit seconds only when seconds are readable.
4.39.34
